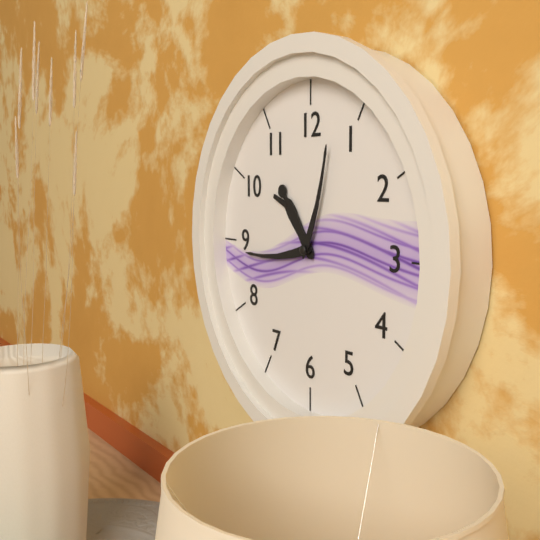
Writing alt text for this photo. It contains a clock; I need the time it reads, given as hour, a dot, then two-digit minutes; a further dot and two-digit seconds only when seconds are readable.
10.44.03
